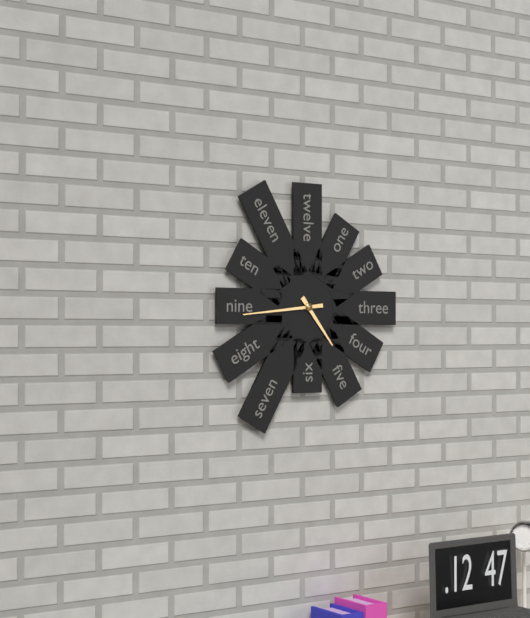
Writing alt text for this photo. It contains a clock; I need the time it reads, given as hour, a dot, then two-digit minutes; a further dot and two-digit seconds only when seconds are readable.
4.44
